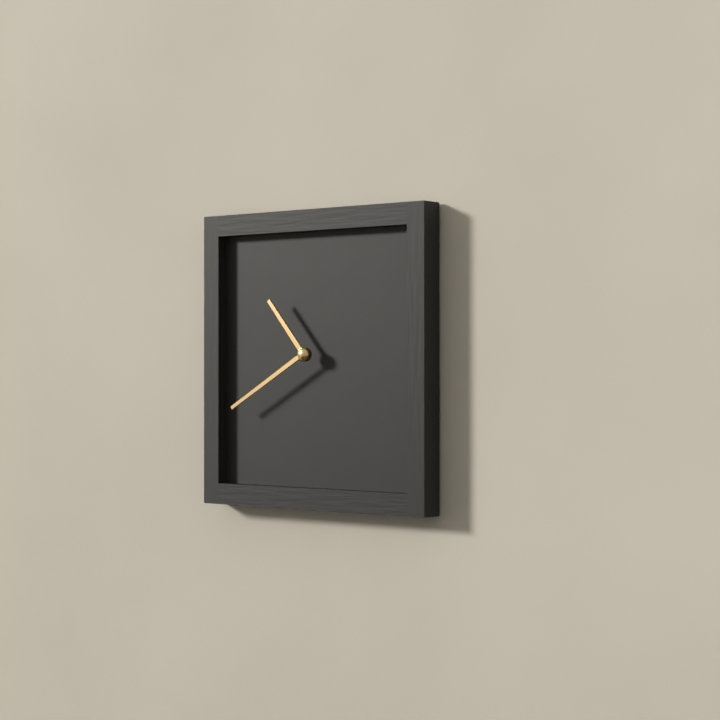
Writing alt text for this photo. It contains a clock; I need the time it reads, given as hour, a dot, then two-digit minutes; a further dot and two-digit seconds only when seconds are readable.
10.40
